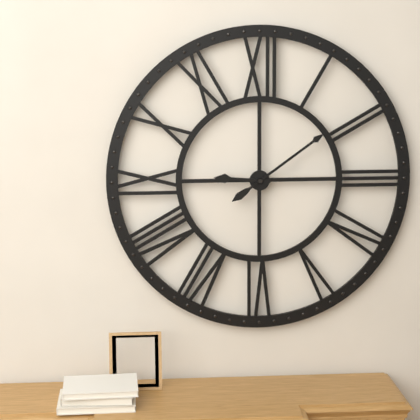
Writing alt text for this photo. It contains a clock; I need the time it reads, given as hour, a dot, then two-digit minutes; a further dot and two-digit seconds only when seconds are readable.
9.09
